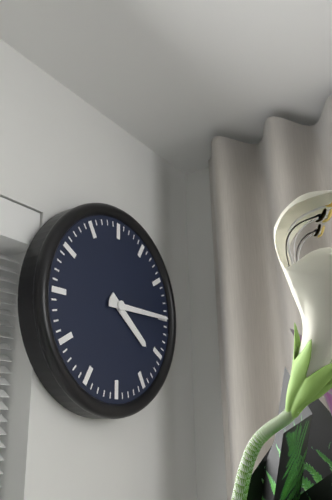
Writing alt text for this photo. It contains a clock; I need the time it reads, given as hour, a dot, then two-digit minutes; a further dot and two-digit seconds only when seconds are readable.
4.15
